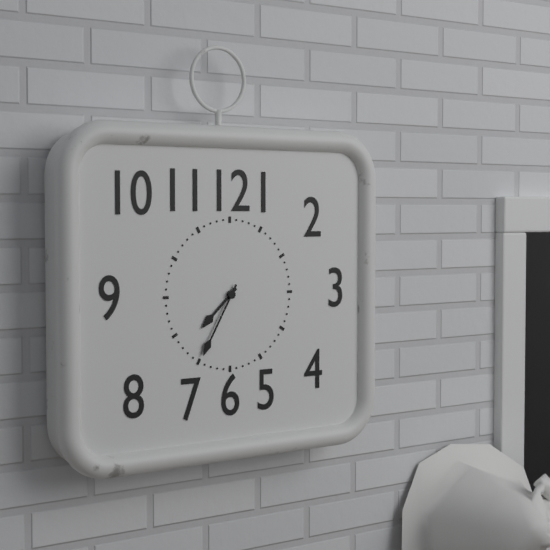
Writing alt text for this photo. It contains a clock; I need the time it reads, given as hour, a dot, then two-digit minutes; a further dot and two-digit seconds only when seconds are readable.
7.35
